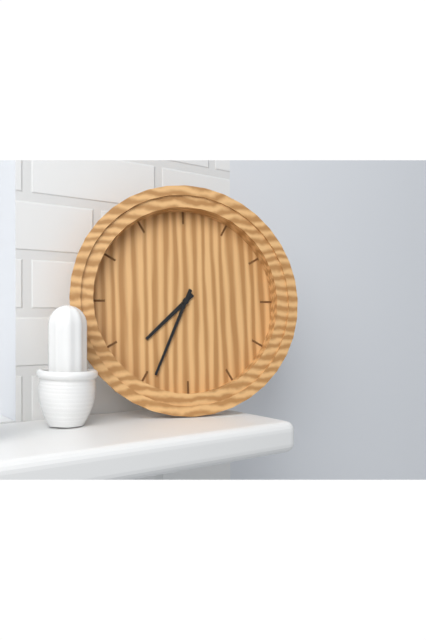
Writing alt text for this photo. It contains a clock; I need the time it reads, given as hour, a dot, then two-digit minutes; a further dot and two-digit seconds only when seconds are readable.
7.34
